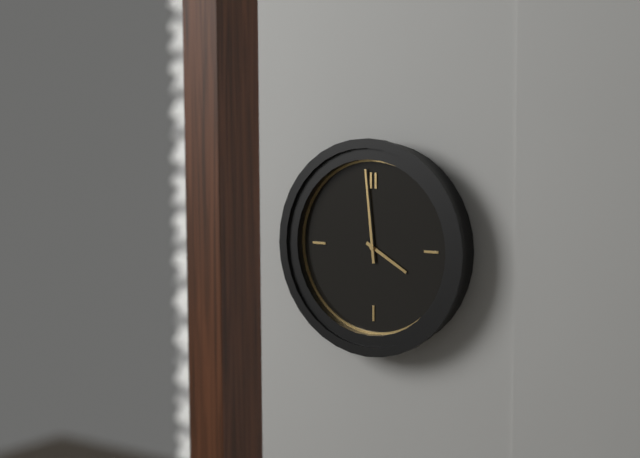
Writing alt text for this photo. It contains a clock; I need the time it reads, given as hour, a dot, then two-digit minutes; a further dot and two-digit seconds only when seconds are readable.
3.59
